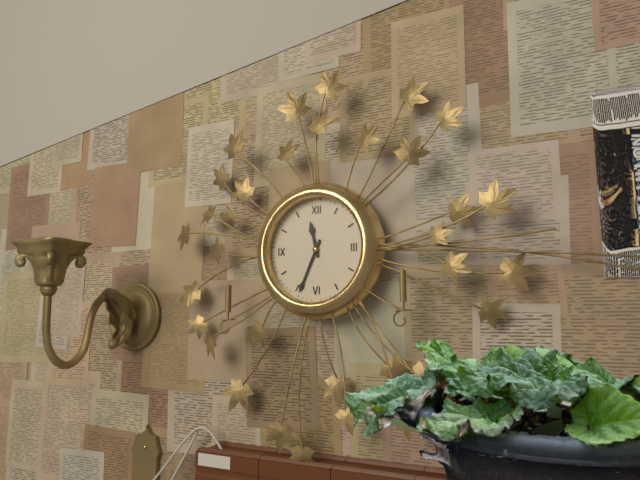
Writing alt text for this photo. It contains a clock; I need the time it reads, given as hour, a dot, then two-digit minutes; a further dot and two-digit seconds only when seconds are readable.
11.34
